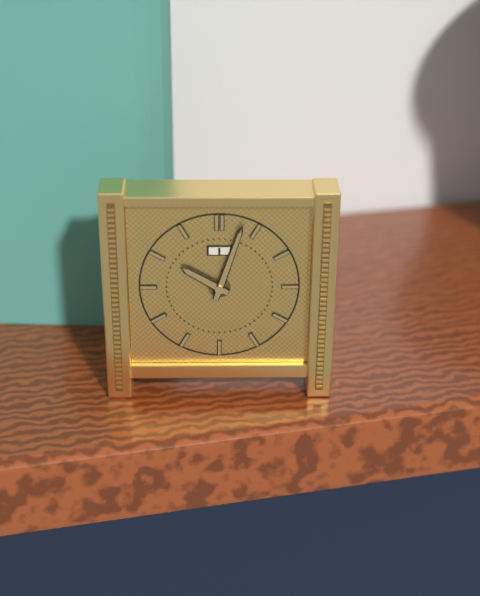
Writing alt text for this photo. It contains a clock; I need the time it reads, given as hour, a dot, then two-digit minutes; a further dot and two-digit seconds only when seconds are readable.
10.03
